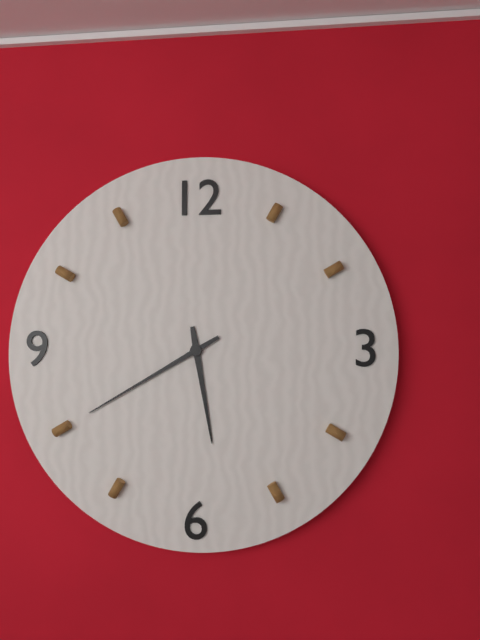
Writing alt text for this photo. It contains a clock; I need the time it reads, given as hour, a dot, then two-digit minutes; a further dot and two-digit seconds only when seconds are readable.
5.40
